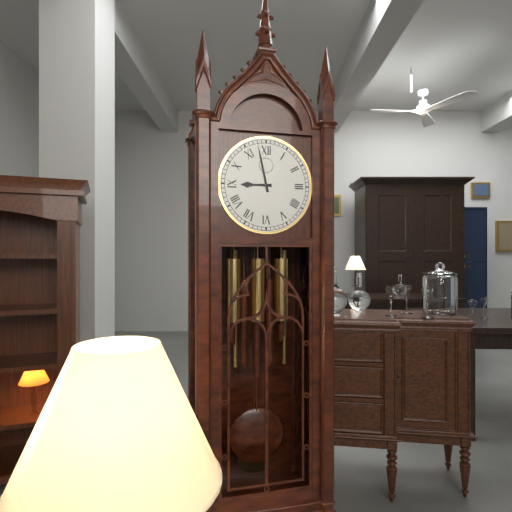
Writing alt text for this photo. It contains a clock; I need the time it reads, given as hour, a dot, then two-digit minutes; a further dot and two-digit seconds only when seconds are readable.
8.58
